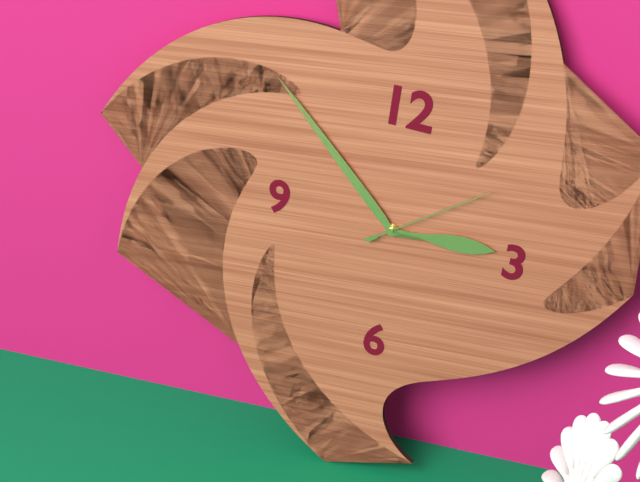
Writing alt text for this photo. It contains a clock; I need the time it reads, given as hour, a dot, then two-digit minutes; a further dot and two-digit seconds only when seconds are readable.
2.52.09
